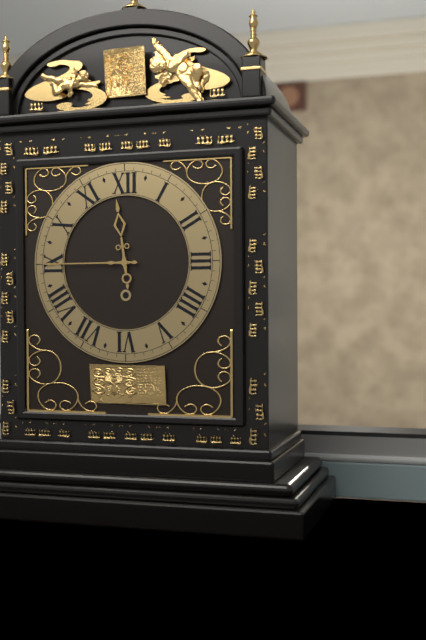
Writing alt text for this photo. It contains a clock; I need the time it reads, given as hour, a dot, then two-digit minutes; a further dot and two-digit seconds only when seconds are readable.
11.45
